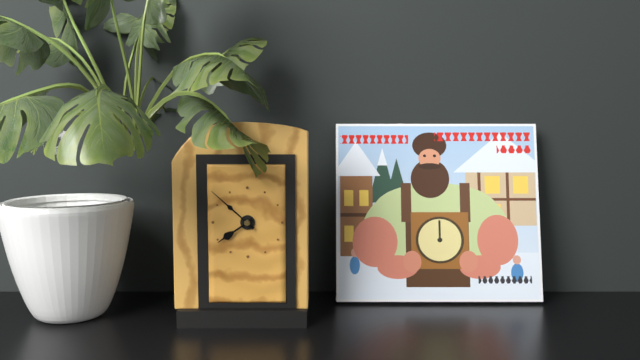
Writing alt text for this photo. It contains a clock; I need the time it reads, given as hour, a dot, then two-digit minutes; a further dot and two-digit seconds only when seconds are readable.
7.52
